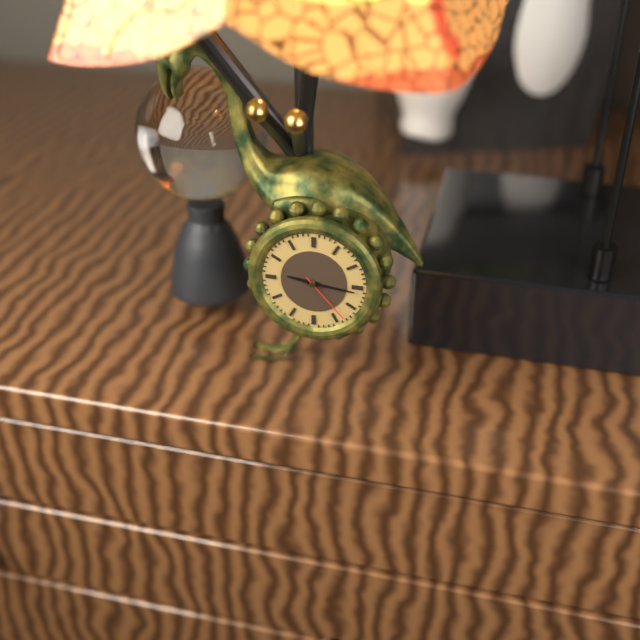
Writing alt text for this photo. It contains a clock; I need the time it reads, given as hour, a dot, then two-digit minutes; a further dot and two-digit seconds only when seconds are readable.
9.16.23
